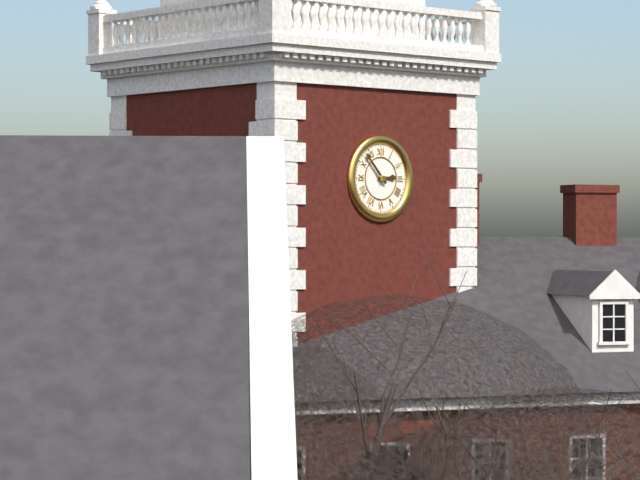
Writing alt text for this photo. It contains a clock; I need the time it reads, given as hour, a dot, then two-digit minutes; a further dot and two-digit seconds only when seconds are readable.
2.53
